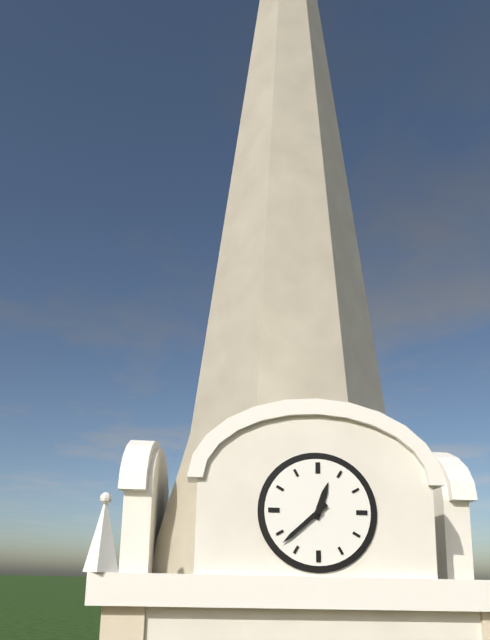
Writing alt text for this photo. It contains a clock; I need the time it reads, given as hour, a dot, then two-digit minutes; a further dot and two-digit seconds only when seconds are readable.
12.38
